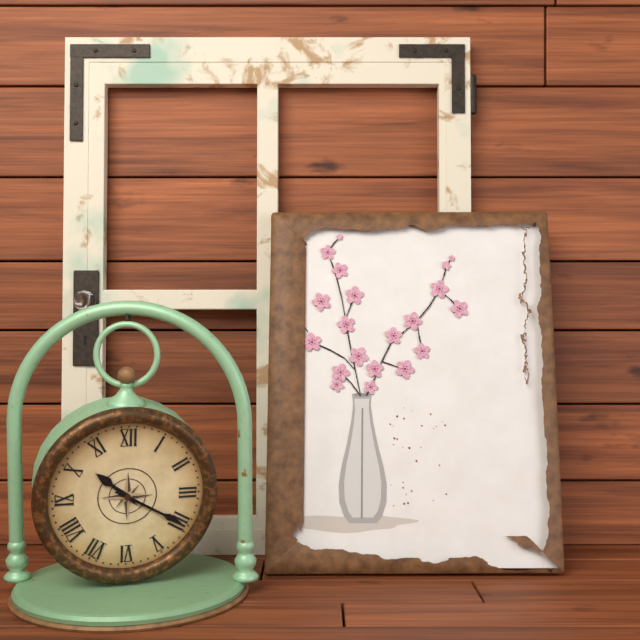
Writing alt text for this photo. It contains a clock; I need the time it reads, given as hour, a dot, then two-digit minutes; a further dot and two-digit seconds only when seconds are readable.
10.20
